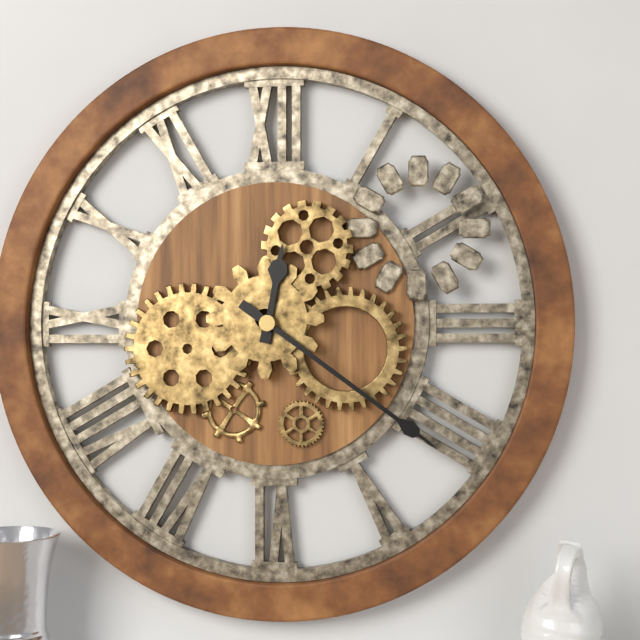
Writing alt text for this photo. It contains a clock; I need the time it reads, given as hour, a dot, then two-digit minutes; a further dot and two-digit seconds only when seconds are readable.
12.21
